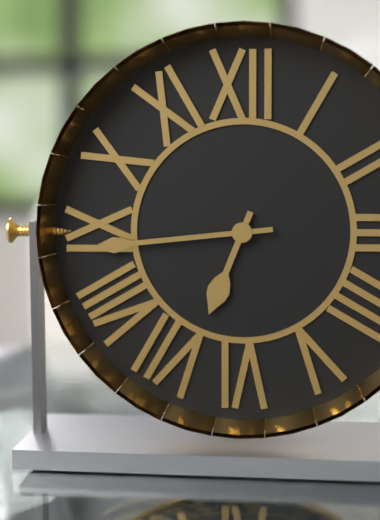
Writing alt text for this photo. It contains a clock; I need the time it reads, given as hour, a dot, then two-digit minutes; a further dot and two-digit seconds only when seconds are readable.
6.44
